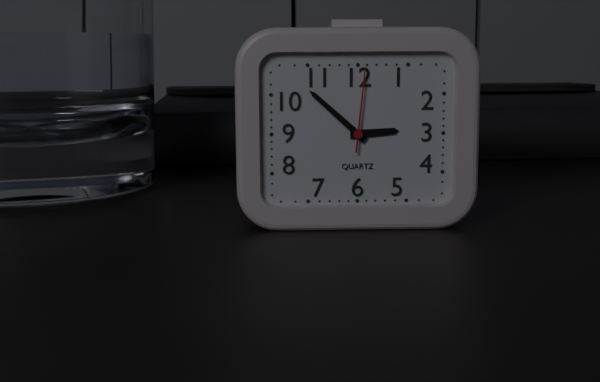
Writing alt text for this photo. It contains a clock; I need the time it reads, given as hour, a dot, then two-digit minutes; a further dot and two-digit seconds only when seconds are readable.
2.52.01
